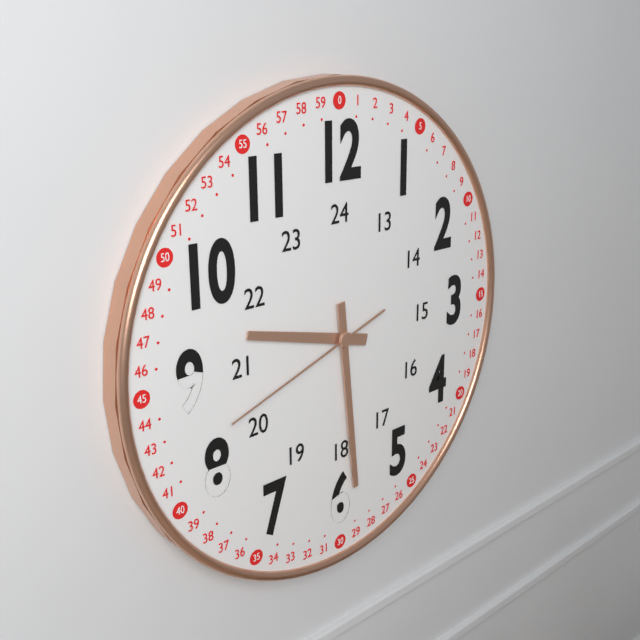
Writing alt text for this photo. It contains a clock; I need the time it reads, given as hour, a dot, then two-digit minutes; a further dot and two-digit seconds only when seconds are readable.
9.29.42
